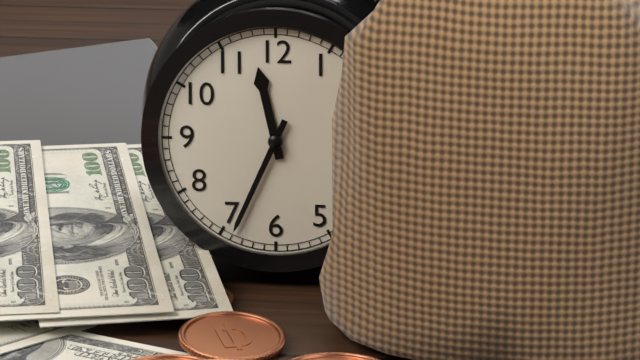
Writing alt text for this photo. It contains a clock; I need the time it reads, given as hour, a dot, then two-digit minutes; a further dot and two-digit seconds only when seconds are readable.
11.34
